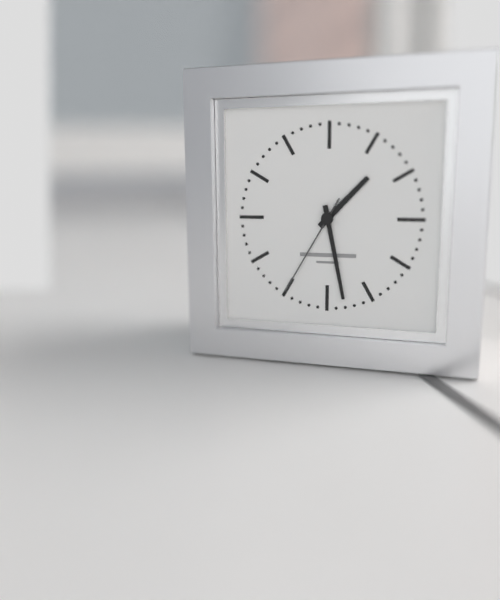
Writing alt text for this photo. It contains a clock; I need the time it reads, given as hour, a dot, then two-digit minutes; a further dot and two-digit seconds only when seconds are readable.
1.28.35
